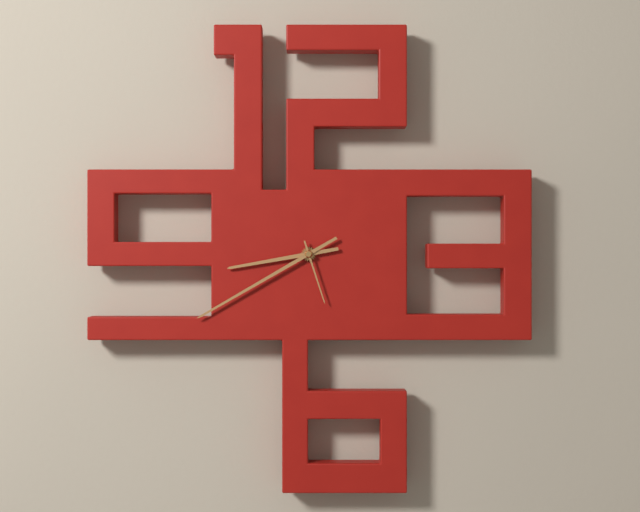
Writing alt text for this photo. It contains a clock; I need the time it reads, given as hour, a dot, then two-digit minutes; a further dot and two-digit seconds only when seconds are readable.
8.40.27
